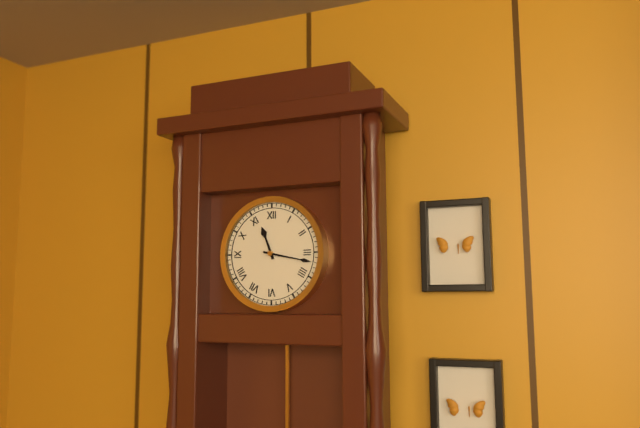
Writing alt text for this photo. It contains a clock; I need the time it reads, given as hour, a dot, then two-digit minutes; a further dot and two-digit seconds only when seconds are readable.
11.17
